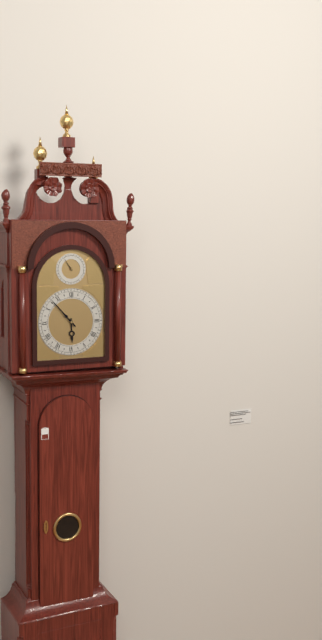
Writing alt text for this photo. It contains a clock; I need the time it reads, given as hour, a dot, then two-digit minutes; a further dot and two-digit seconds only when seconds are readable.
5.53
